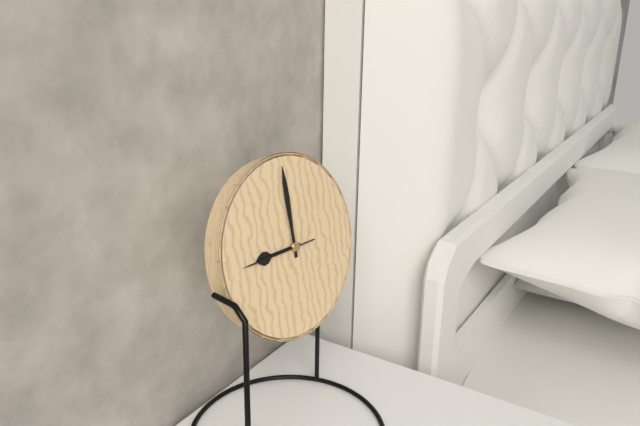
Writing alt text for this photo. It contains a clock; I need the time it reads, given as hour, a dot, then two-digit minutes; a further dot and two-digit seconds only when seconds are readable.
9.00.45
